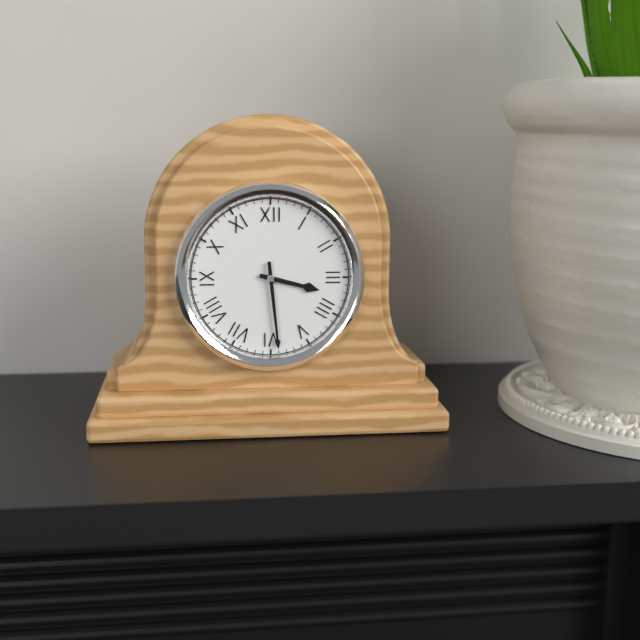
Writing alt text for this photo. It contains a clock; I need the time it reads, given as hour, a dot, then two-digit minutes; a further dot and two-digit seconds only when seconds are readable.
3.29
